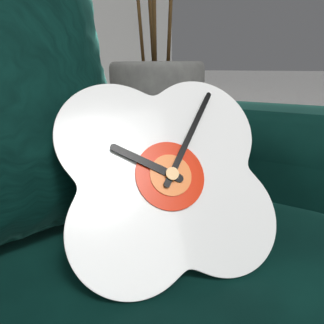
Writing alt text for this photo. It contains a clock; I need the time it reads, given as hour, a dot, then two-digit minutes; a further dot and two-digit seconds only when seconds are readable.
10.06
